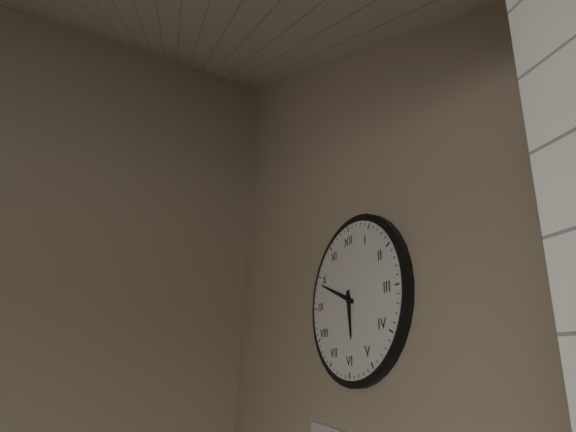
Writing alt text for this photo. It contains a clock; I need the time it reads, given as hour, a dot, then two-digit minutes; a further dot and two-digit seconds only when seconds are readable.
5.49
